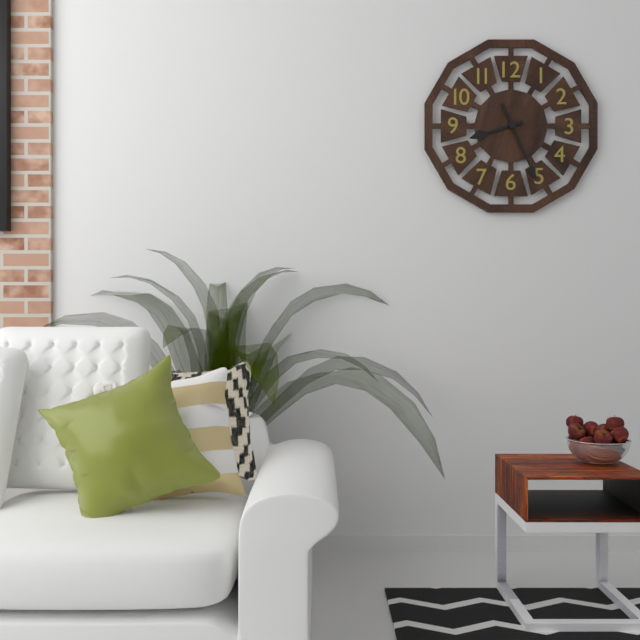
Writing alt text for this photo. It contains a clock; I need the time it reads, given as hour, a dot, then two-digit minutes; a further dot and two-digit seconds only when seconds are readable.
8.26
